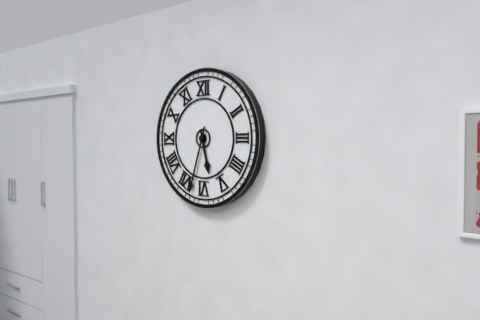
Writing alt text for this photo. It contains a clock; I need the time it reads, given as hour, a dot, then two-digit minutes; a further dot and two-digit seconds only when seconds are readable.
5.33
